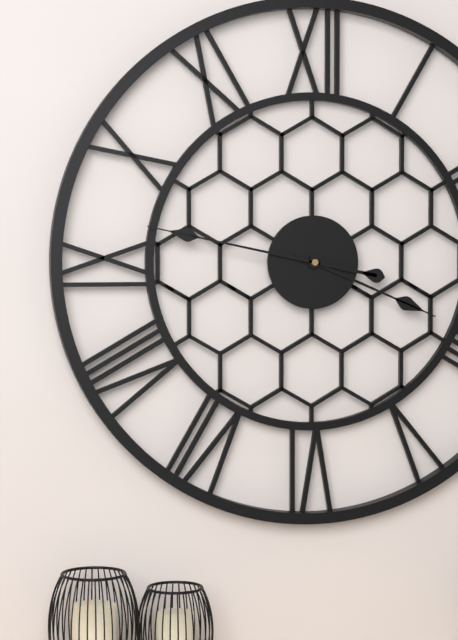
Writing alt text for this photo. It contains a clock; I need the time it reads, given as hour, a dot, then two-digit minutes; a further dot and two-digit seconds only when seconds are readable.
3.47
